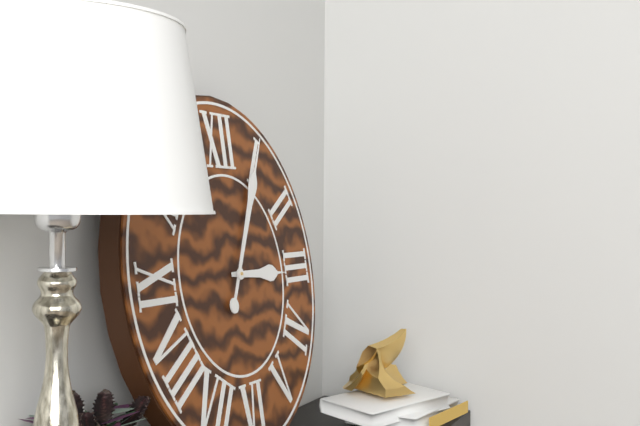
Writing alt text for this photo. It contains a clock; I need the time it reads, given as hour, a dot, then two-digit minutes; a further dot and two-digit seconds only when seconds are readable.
3.05
